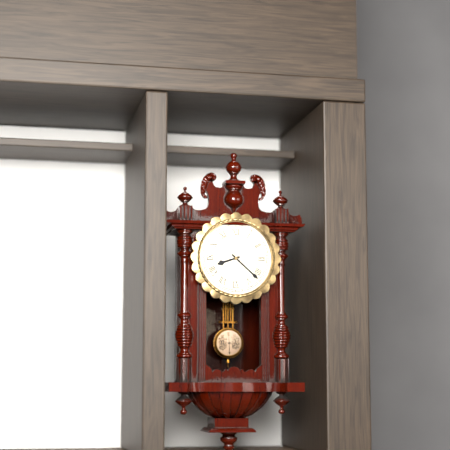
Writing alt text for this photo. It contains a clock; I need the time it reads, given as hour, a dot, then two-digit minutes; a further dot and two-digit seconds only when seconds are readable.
8.22
